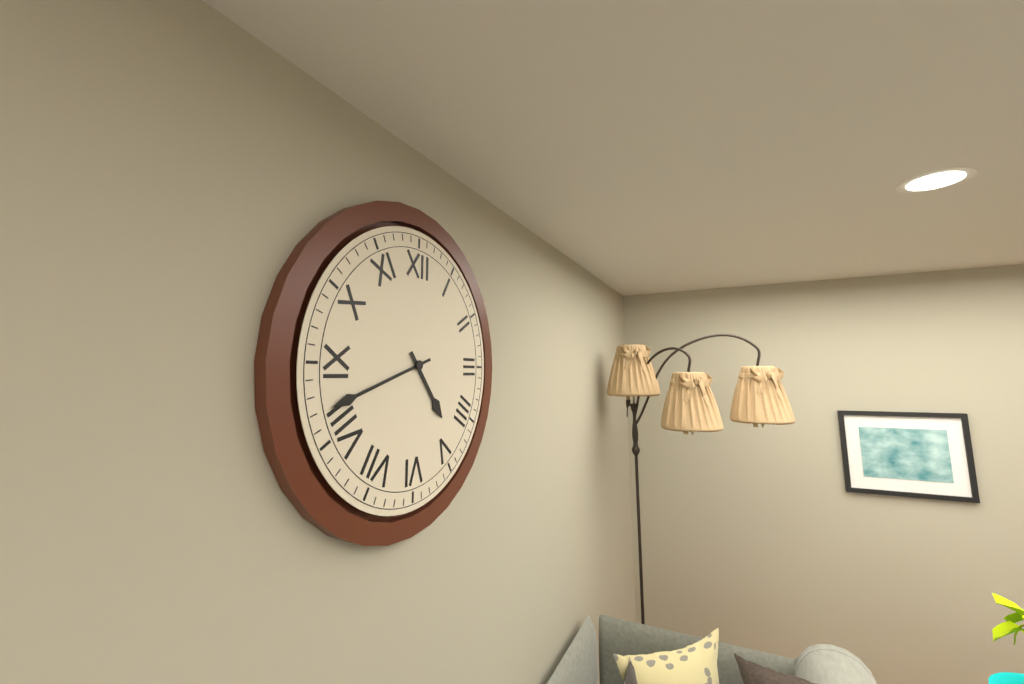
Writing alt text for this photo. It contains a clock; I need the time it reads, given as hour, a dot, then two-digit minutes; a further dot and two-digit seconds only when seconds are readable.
4.42
